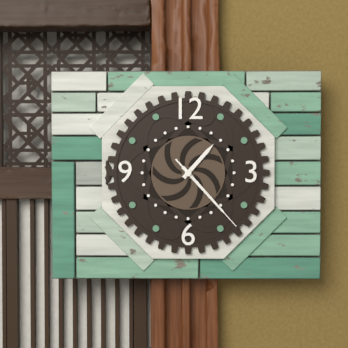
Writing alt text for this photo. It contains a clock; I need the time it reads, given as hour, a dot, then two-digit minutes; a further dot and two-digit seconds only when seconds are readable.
1.23.23
